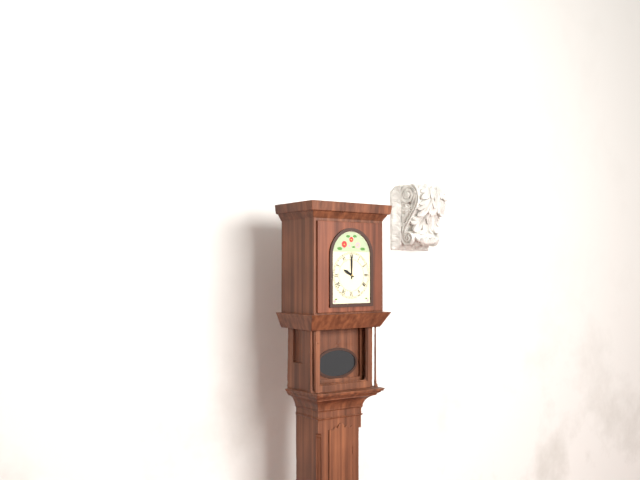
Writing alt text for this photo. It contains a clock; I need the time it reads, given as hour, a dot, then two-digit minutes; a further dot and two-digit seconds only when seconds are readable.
10.00
